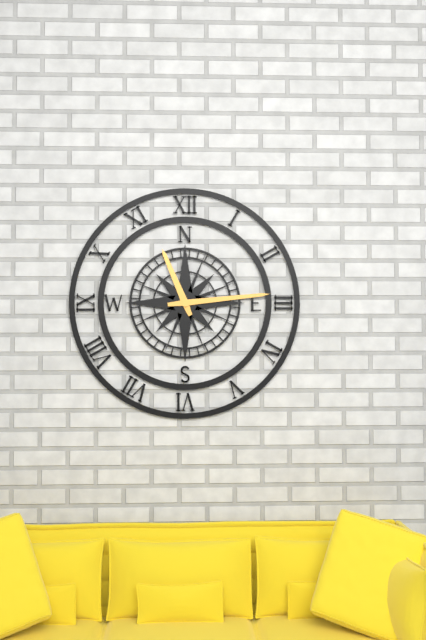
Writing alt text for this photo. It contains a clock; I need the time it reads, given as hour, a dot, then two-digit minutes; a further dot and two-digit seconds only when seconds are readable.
11.14
